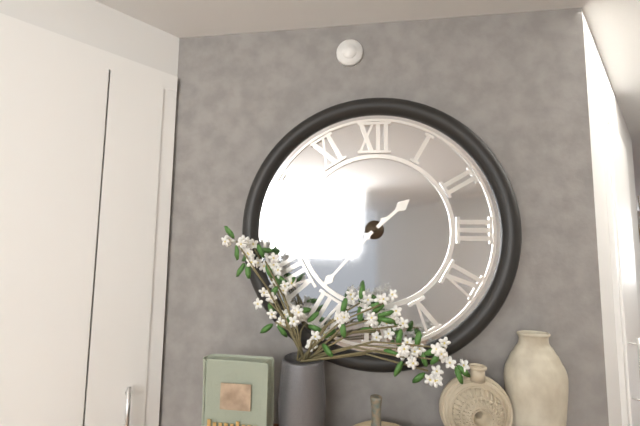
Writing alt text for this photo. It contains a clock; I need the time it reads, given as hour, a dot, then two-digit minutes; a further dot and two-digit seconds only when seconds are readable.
1.37
